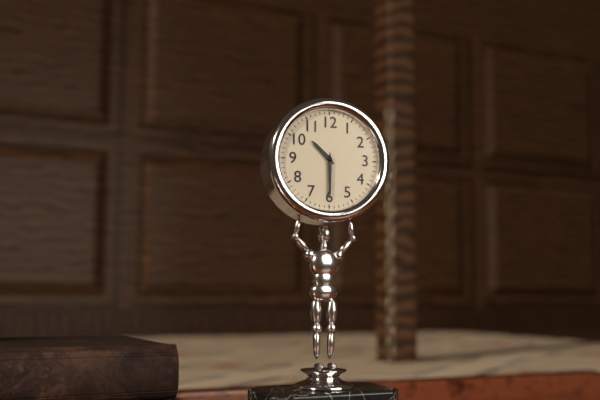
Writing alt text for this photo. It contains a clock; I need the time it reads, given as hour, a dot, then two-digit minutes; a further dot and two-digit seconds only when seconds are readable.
10.30
